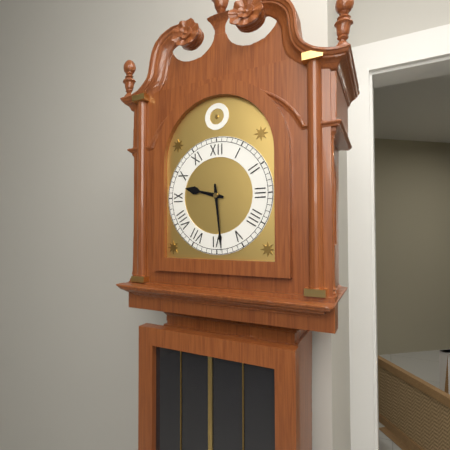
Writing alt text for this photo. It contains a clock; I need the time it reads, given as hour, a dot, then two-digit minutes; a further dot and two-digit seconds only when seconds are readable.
9.29
